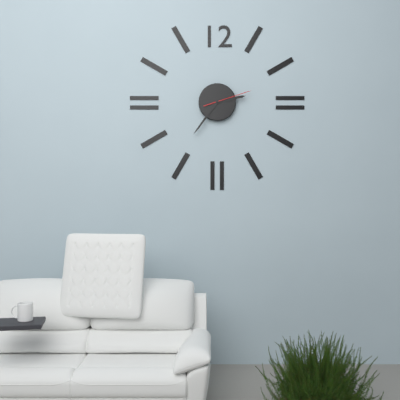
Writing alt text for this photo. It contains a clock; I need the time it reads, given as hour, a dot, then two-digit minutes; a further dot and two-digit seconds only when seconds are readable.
2.36
